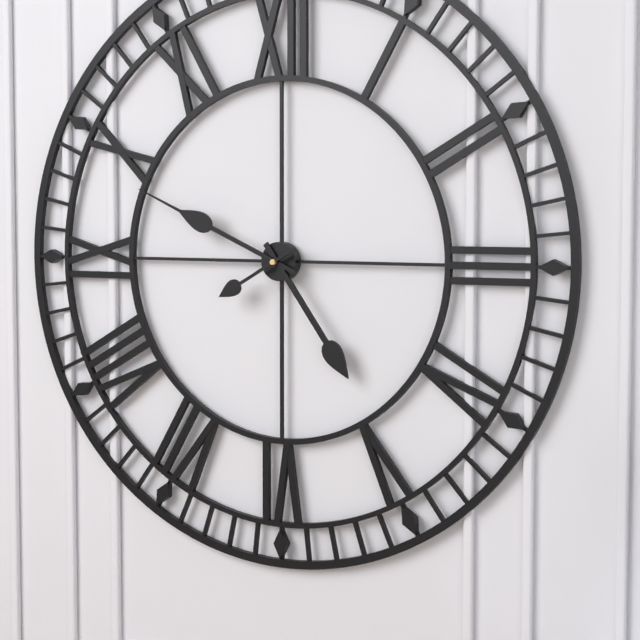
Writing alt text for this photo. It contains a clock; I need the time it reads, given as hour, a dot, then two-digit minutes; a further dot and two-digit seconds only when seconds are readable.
4.49.40
